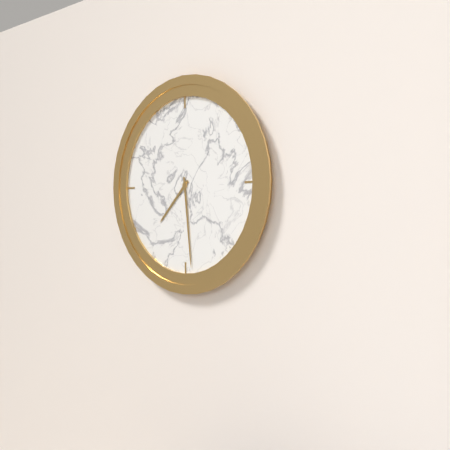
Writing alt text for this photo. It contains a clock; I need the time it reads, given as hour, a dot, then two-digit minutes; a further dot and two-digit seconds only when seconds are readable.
7.29
